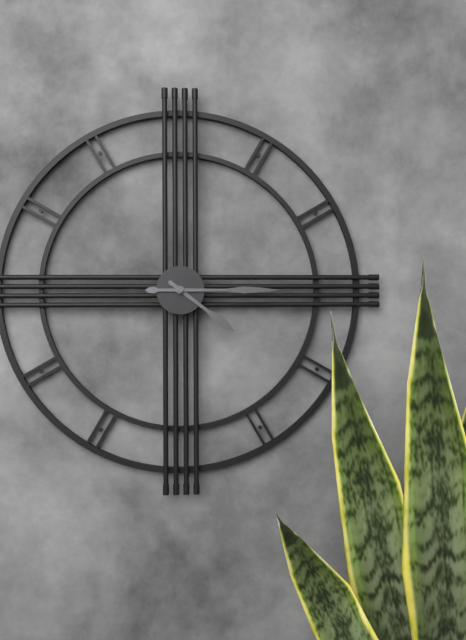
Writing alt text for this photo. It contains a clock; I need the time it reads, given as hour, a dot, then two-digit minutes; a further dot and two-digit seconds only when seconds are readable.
4.15
